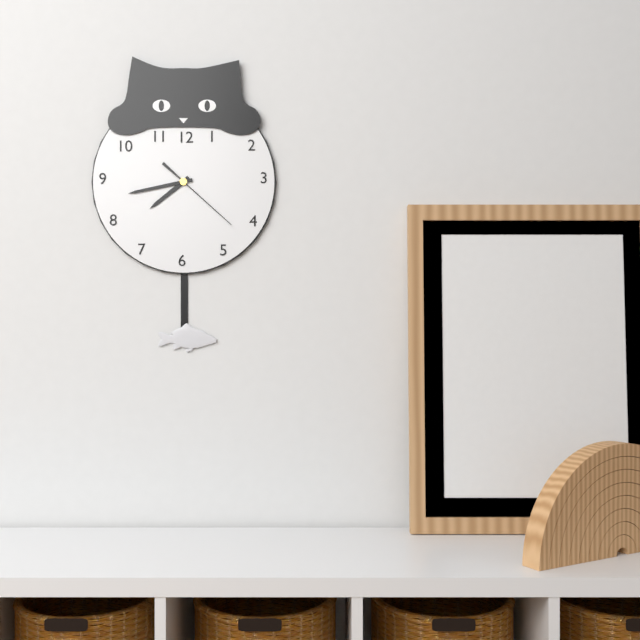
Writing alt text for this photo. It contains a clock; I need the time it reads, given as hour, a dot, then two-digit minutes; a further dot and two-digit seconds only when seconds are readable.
7.43.22
